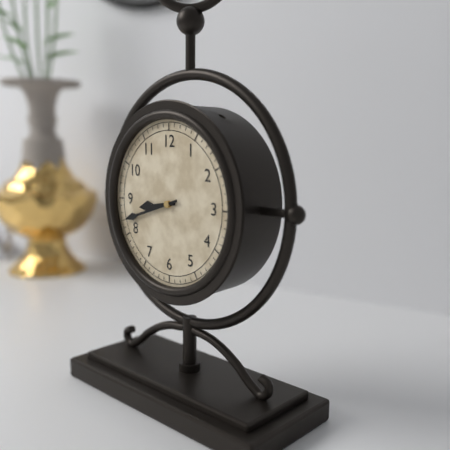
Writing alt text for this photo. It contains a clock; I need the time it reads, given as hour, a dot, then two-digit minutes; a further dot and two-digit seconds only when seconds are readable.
8.42
